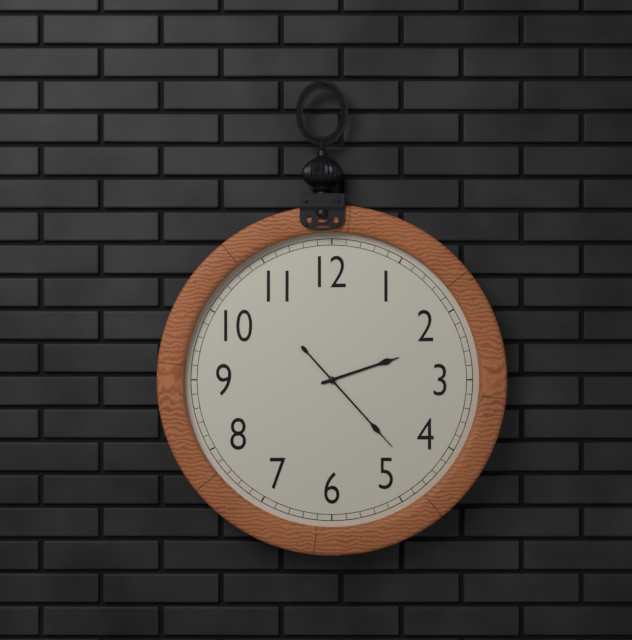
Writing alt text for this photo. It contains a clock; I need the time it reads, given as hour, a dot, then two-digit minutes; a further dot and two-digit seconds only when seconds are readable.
2.23
